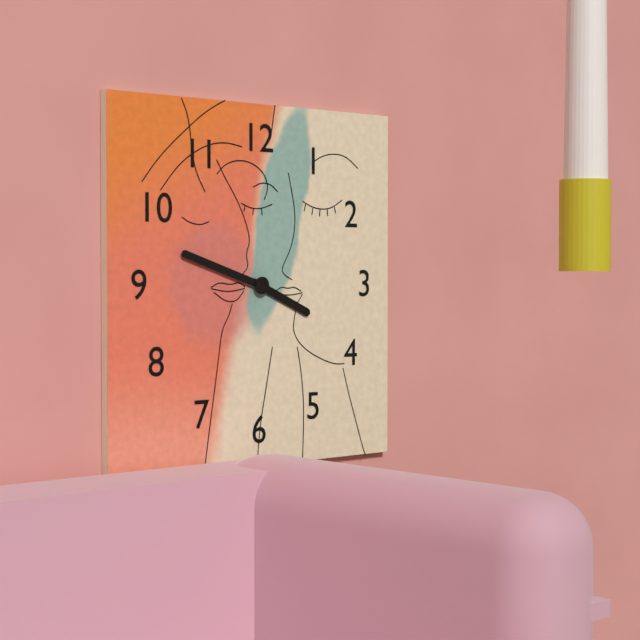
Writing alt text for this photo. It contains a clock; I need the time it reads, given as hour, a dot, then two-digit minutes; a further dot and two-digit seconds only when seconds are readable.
3.48
